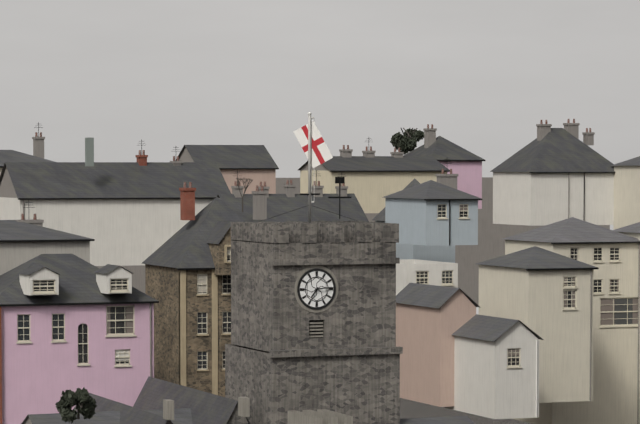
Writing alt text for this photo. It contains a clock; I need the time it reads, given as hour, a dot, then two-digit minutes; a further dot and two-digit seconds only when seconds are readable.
7.14
